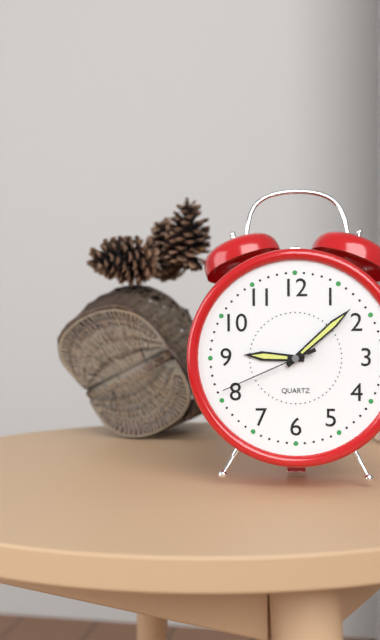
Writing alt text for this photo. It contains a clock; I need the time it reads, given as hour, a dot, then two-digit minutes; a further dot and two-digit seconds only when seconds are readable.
9.08.41
